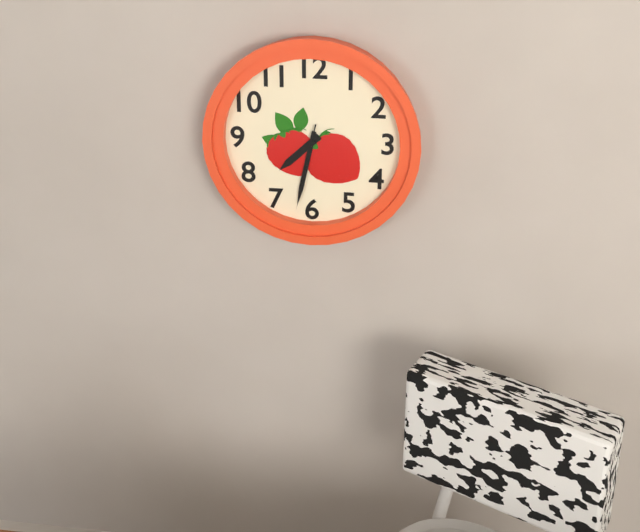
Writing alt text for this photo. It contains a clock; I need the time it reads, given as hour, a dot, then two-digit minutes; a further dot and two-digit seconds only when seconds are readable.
7.32.32
